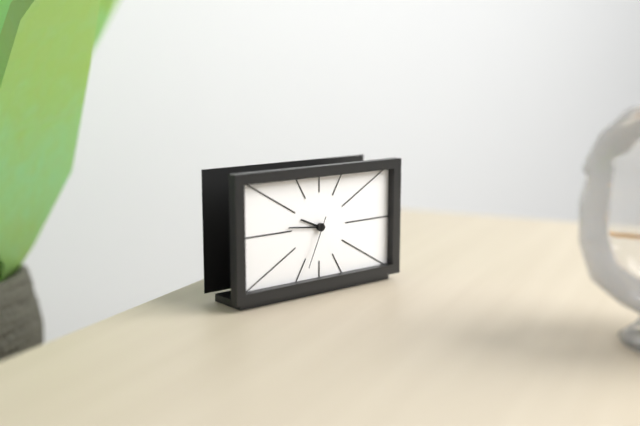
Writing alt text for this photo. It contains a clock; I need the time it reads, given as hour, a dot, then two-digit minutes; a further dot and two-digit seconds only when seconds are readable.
9.46.34
